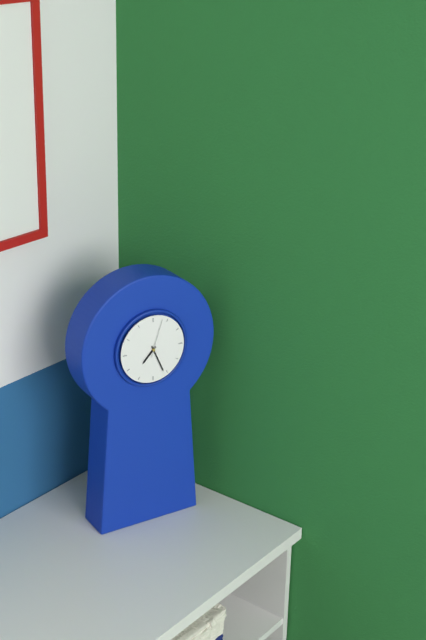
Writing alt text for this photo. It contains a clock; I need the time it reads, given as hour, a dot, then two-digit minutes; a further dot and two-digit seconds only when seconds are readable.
7.26
